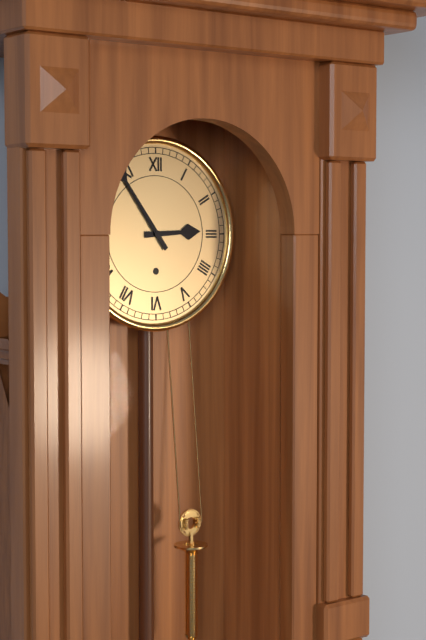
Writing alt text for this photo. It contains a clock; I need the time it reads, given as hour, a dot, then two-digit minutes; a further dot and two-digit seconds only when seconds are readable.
2.54
